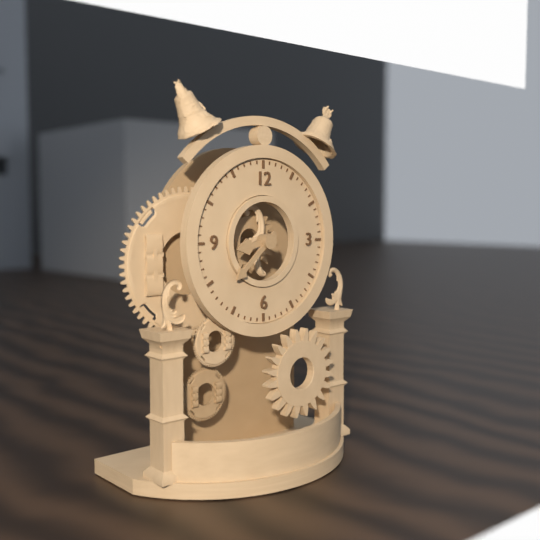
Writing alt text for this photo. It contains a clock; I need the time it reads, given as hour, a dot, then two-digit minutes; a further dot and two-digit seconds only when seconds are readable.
8.38
